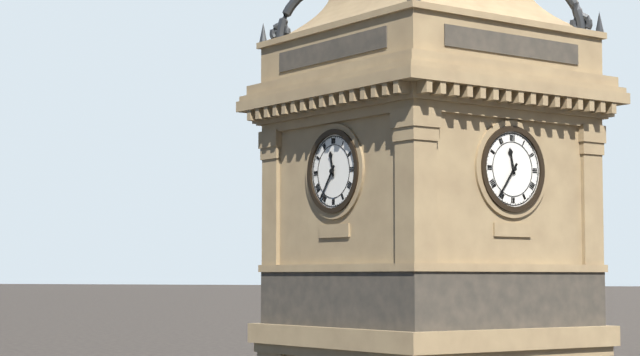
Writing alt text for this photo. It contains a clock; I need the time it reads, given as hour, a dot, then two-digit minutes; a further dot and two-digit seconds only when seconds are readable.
11.36
